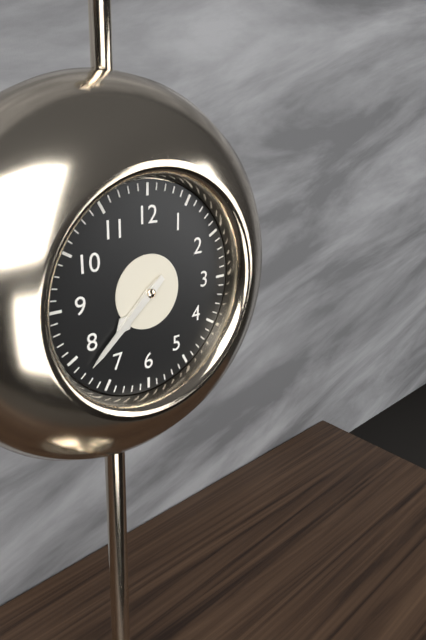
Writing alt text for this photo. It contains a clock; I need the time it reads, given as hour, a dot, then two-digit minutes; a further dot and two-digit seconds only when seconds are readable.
7.38
